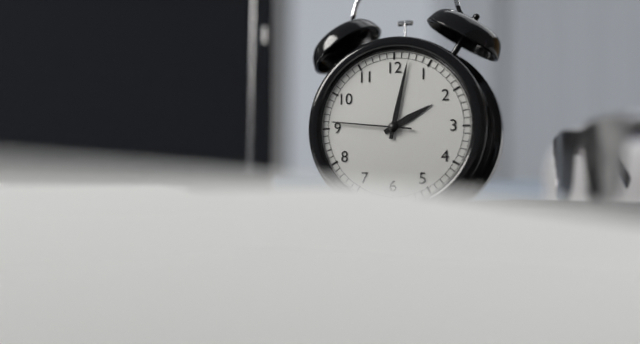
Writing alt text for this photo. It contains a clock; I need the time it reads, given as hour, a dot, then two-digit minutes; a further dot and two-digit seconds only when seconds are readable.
2.02.46
